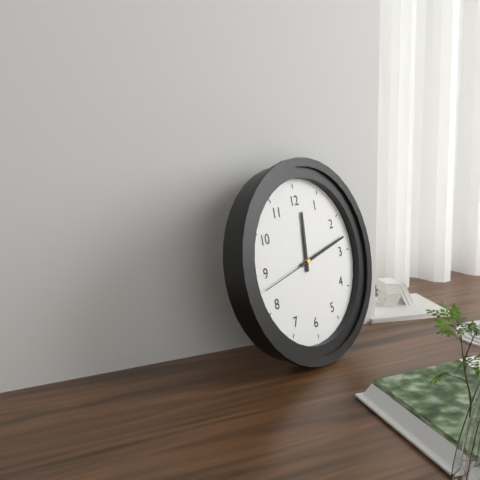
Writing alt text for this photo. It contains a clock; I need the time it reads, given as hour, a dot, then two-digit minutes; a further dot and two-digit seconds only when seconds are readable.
12.13.43
